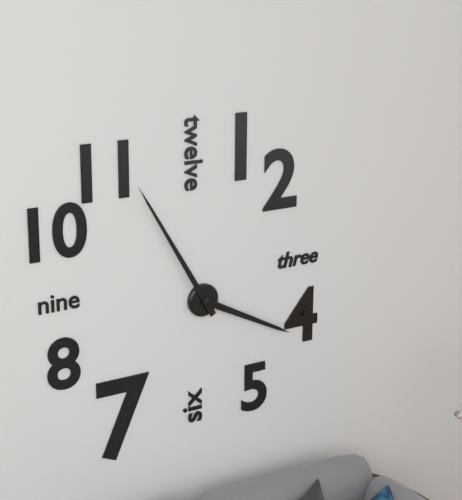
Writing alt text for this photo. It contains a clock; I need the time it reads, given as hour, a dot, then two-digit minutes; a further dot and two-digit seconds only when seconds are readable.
3.55
